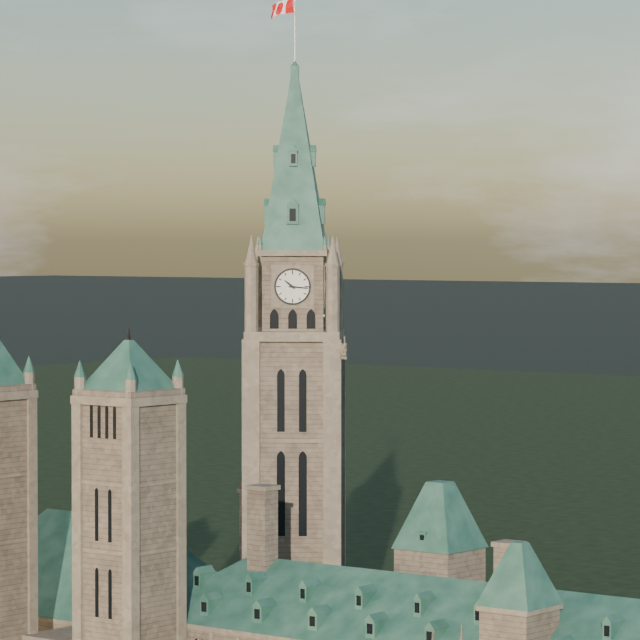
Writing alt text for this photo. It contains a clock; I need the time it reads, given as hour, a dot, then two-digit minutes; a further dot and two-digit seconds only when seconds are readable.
10.16
